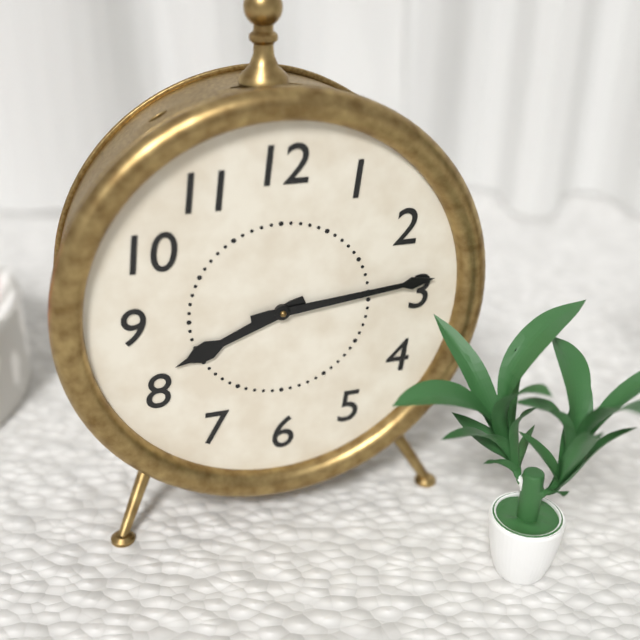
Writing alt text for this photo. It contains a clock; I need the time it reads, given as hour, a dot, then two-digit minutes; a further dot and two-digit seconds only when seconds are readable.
8.14
